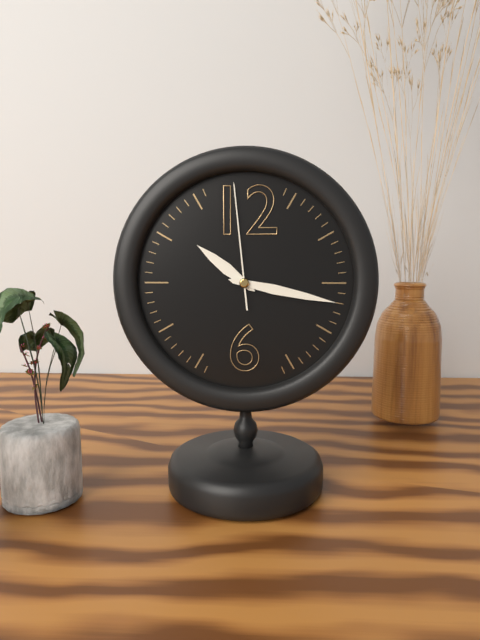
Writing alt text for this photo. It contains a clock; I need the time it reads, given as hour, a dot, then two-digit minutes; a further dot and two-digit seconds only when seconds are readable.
10.17.59
